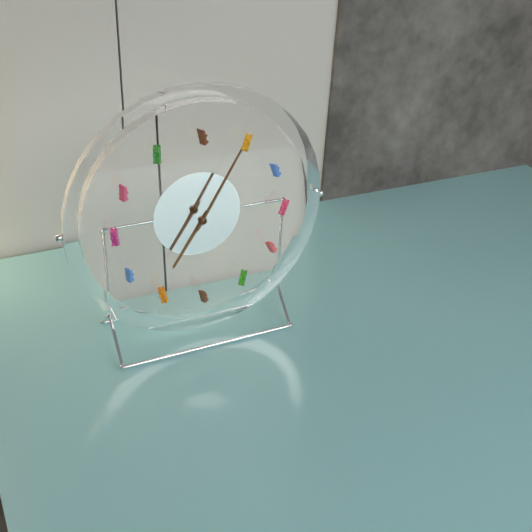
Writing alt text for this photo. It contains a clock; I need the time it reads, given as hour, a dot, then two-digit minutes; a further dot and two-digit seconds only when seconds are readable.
7.05
